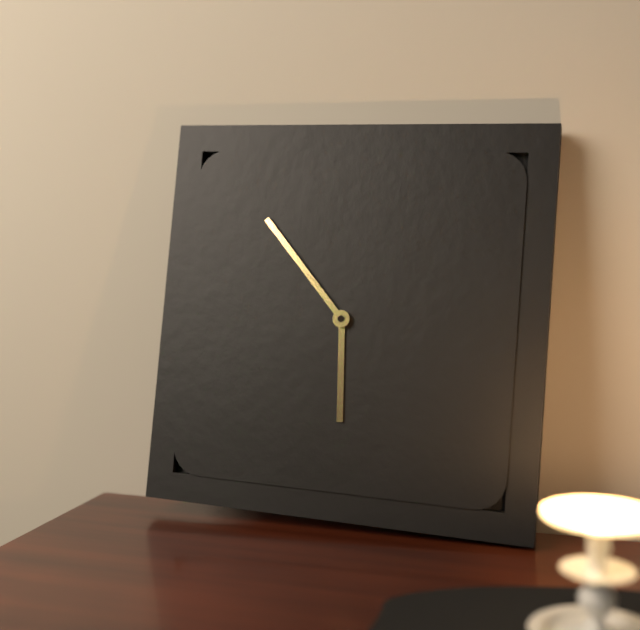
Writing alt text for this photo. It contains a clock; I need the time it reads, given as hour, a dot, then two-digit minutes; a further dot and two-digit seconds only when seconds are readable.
5.53
